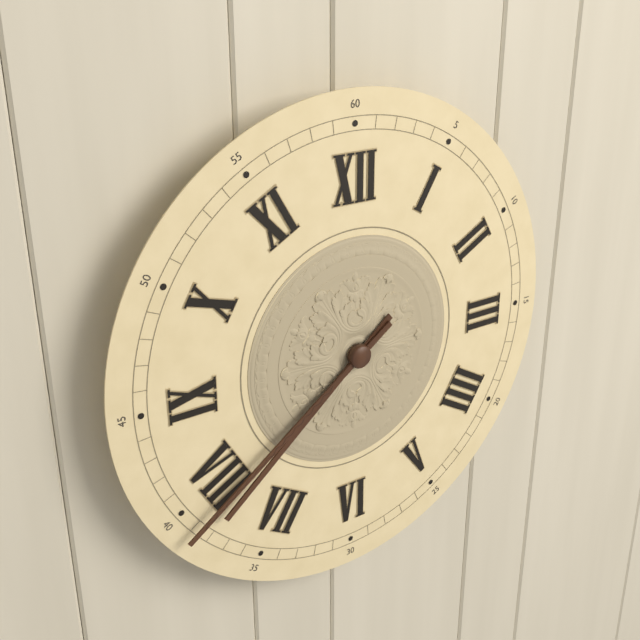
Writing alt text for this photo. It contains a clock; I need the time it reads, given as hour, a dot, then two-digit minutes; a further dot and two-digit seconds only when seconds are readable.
7.39
